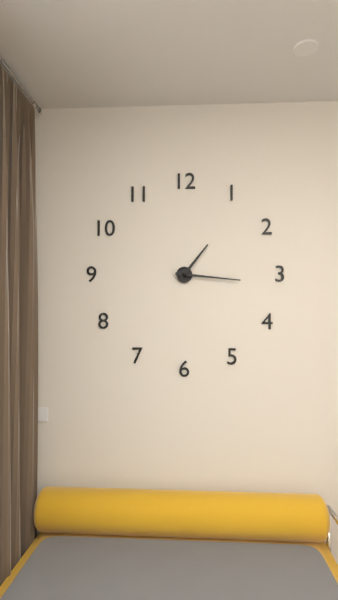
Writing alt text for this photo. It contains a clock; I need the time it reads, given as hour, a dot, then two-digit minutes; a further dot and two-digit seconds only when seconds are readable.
1.16
